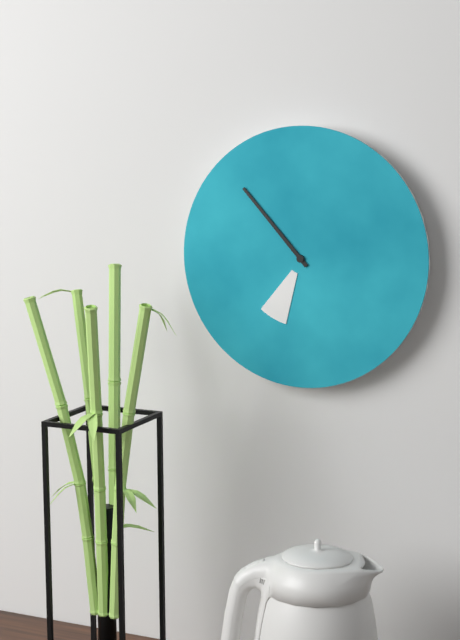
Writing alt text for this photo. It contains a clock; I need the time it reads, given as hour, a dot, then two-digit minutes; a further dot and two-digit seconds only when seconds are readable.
6.53
